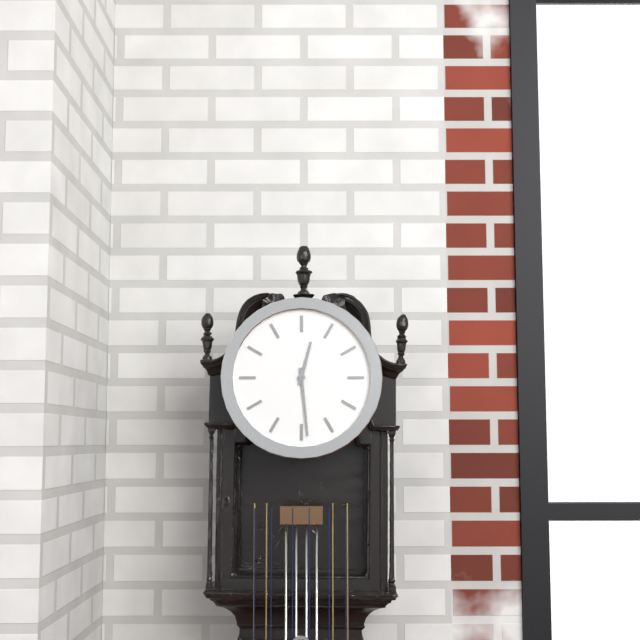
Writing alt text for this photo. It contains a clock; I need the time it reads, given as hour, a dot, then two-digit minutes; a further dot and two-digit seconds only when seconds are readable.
12.29
